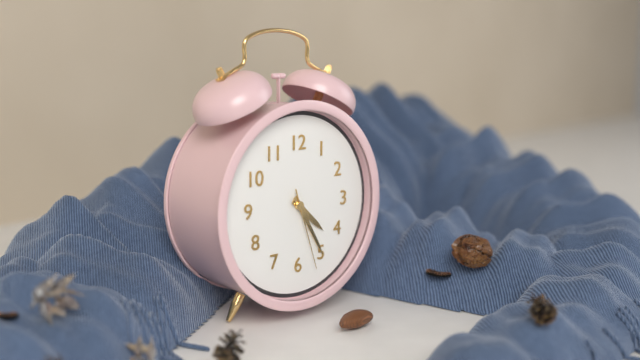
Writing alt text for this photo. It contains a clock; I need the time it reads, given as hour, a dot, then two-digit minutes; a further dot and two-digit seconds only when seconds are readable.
4.25.27
